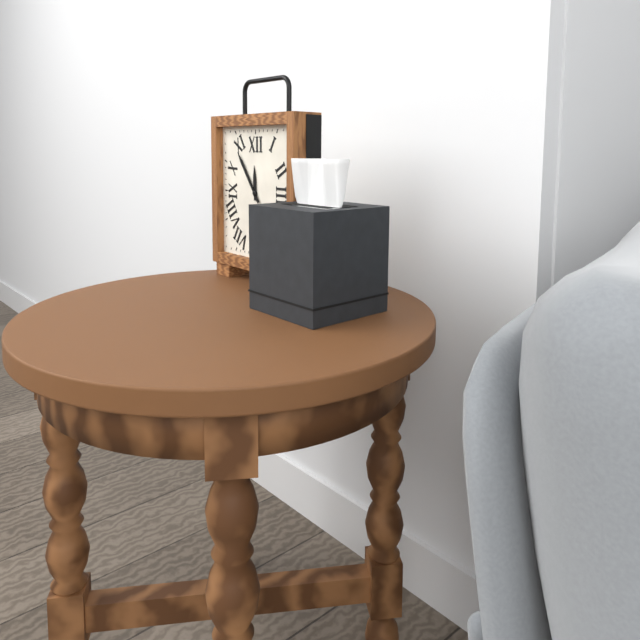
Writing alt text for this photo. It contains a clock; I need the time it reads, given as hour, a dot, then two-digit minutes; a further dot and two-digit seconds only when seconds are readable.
11.54
